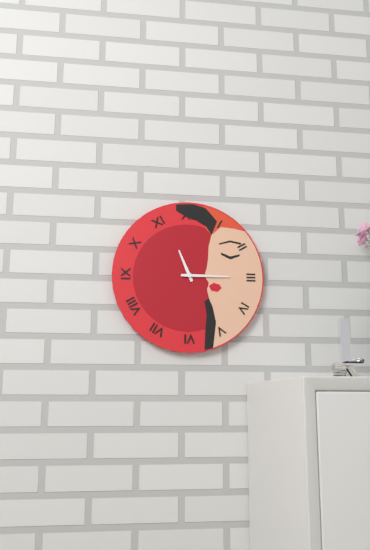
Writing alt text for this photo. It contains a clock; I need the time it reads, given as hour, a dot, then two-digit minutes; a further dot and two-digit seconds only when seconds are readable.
11.15
